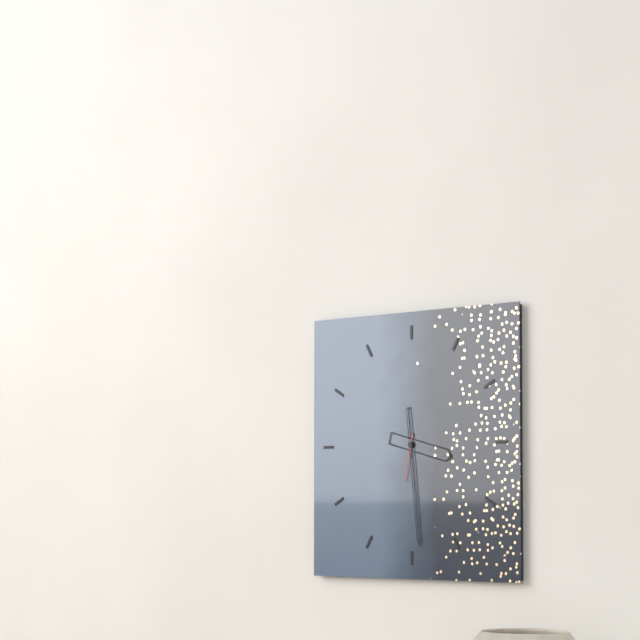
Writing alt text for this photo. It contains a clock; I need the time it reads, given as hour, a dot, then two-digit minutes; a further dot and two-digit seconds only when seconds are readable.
3.29
